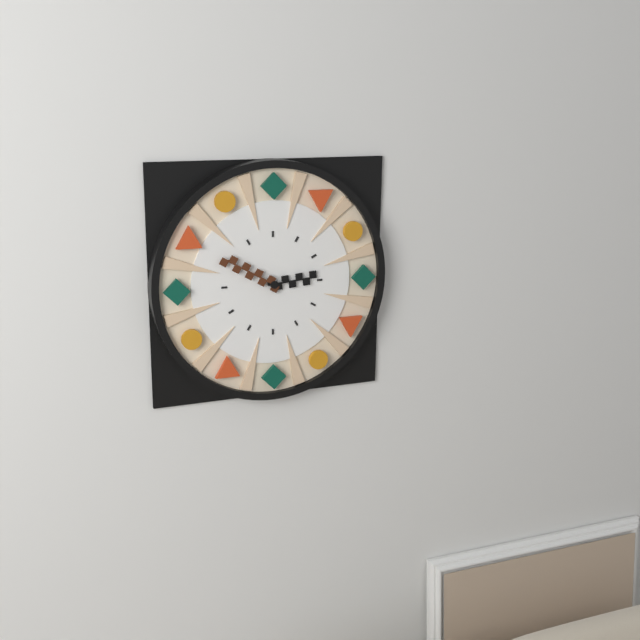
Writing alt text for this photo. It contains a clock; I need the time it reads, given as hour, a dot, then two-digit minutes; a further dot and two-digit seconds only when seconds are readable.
2.50
